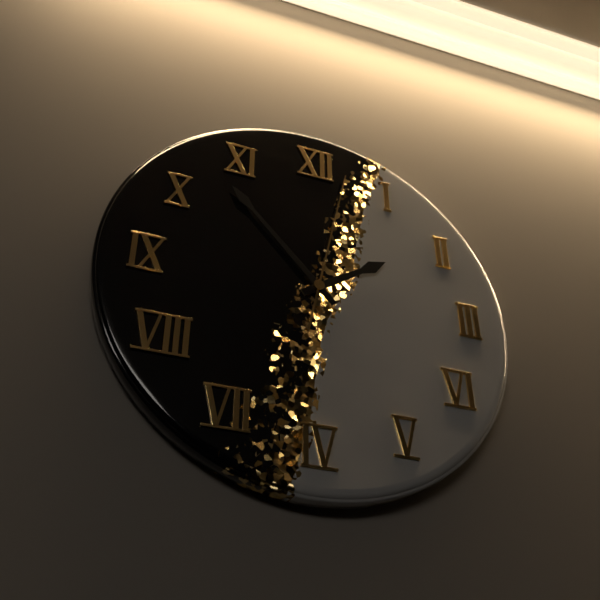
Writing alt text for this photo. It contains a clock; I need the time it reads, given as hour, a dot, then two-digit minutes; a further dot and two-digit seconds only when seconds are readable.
1.53.02
